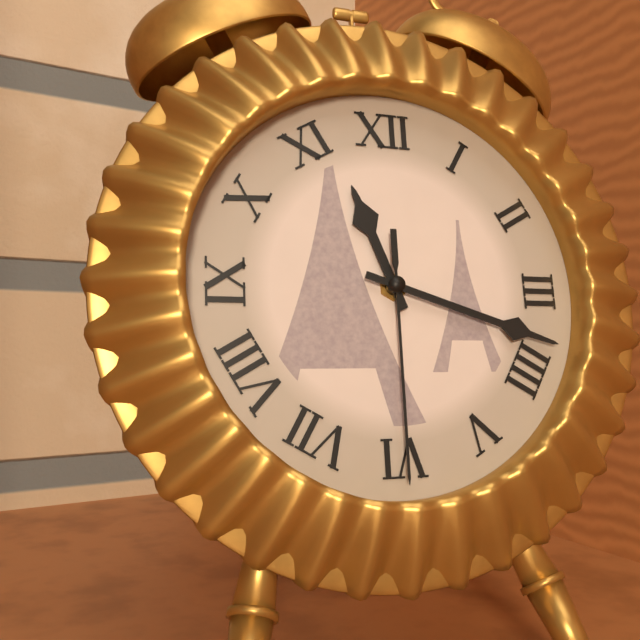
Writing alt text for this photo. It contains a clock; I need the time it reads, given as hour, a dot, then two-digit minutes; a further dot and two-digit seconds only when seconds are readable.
11.18.30
